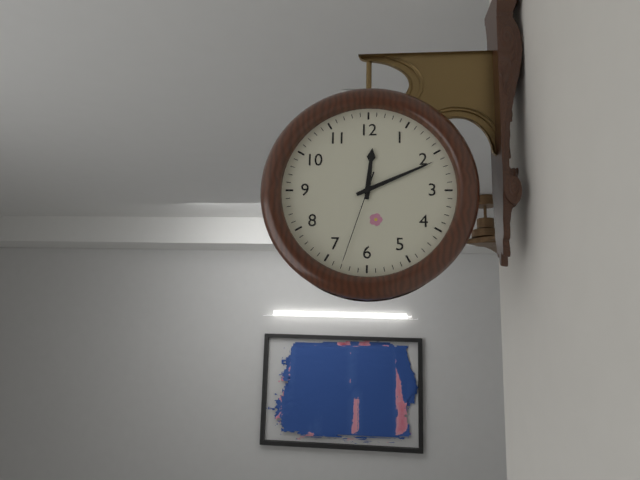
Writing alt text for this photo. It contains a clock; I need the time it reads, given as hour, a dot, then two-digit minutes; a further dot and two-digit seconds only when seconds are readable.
12.11.33
